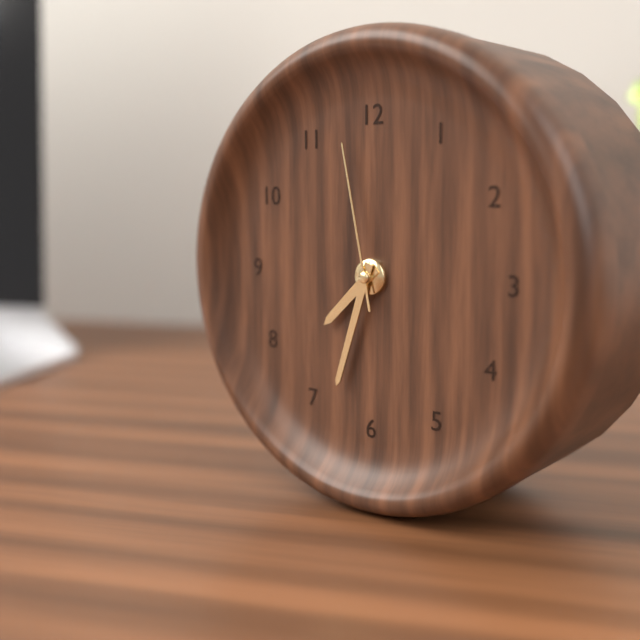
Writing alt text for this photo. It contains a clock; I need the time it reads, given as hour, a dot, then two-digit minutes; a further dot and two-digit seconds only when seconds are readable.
7.33.58
